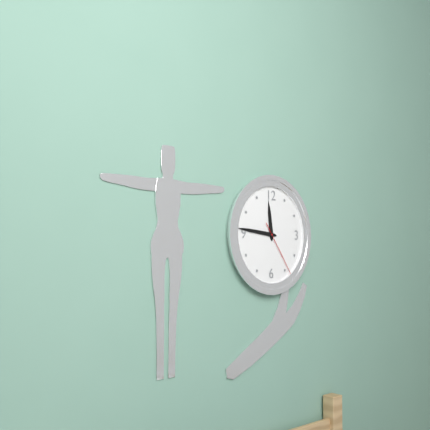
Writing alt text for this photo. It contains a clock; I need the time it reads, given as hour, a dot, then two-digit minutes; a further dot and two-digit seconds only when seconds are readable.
11.46.24
